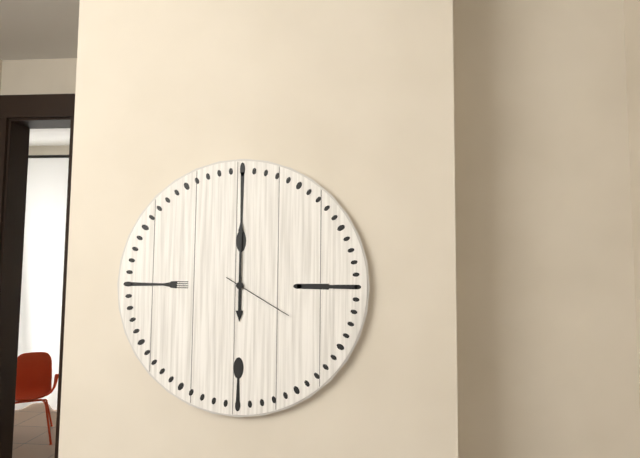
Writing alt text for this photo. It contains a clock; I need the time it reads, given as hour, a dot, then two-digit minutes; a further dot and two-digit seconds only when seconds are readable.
6.00.20
